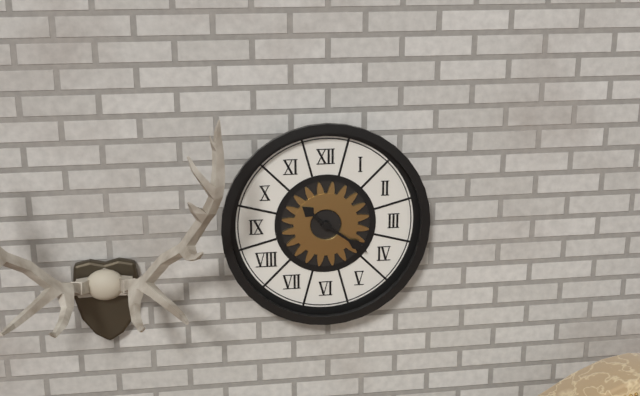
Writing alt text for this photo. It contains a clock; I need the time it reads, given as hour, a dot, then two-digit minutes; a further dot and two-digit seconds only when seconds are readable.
10.21
